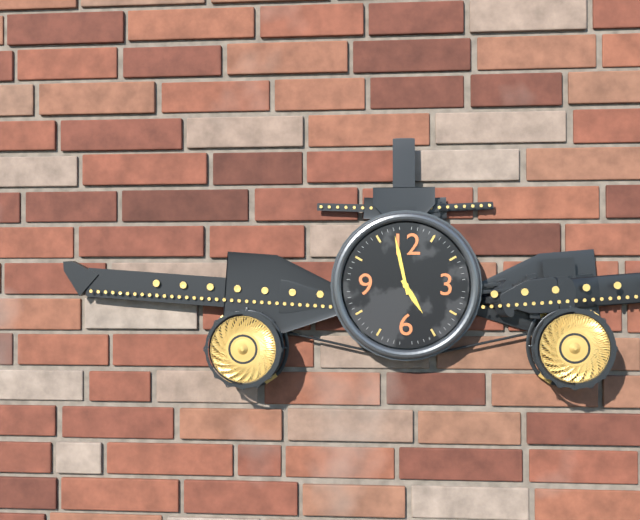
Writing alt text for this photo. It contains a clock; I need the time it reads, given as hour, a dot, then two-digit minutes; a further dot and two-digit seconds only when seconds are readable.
4.58
